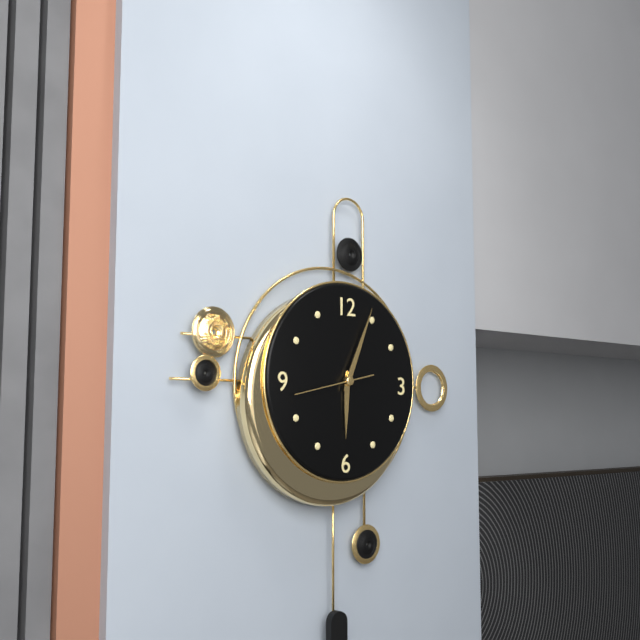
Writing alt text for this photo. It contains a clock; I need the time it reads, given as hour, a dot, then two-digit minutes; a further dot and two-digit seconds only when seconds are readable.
6.04
